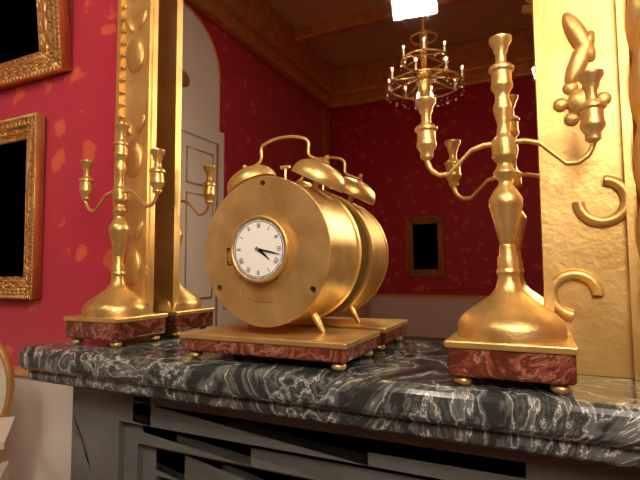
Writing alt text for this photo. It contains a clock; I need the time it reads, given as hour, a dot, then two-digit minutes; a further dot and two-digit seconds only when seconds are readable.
4.17
